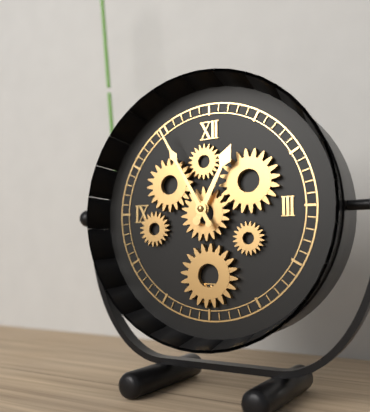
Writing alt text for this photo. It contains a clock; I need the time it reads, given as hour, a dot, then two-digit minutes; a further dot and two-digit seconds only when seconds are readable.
12.55
